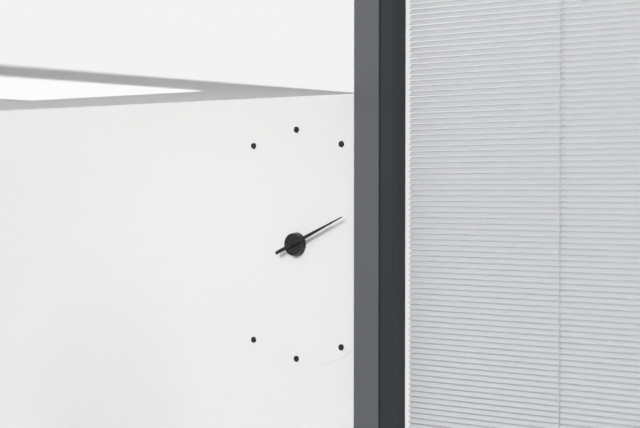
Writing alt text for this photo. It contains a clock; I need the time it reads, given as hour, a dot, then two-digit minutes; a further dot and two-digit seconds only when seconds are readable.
2.11
